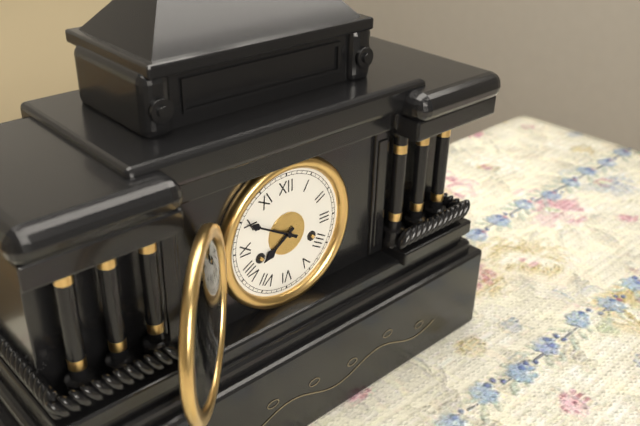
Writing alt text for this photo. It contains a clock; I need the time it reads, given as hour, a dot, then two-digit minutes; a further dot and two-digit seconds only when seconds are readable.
7.50
